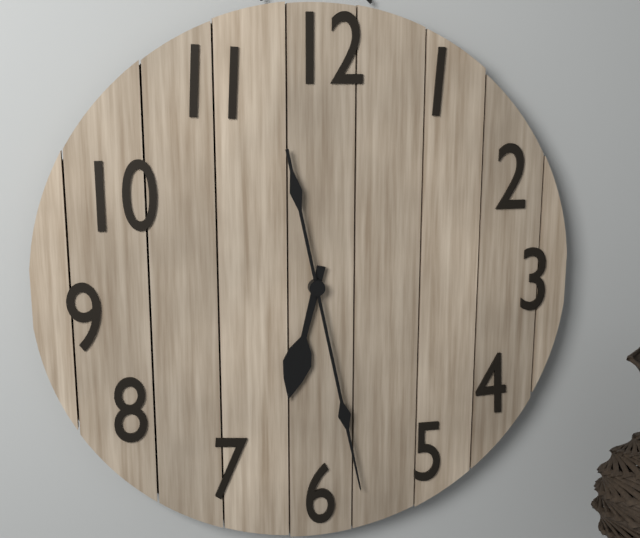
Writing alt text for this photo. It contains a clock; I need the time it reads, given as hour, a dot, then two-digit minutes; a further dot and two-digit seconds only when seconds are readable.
6.28
